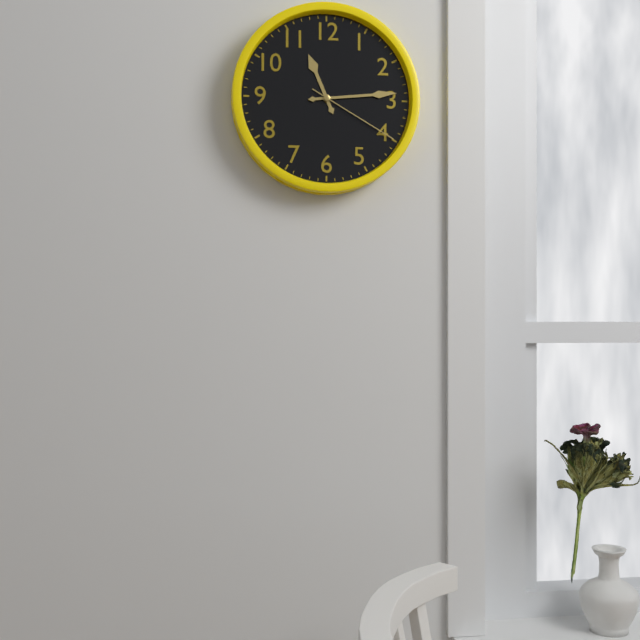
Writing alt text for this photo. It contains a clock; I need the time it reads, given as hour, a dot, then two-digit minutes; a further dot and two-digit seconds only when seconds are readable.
11.14.20
